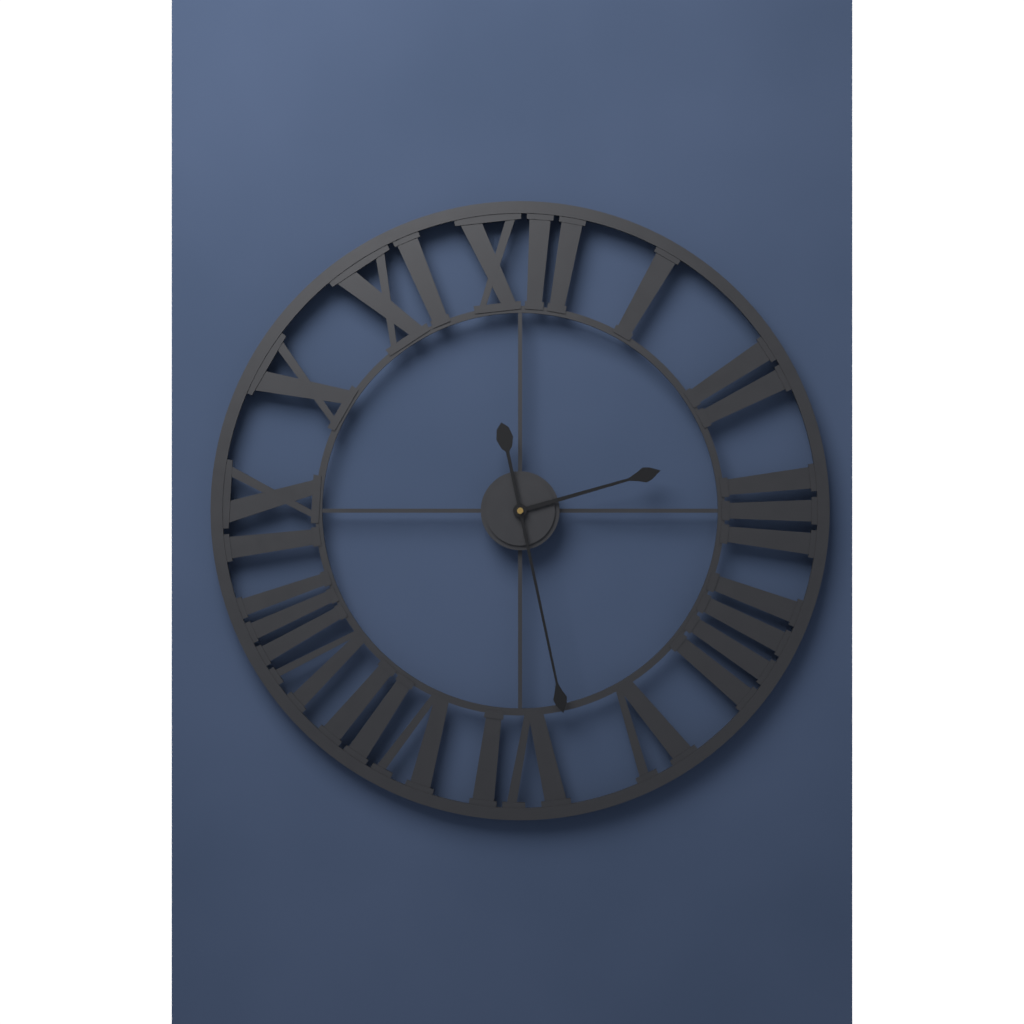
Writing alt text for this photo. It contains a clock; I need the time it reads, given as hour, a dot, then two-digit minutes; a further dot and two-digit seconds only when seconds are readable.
2.28
